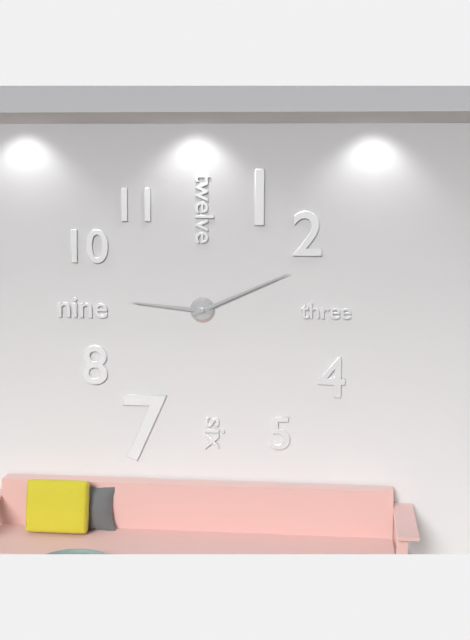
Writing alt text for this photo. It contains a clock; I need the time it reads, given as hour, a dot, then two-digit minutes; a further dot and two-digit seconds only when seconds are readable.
9.11
